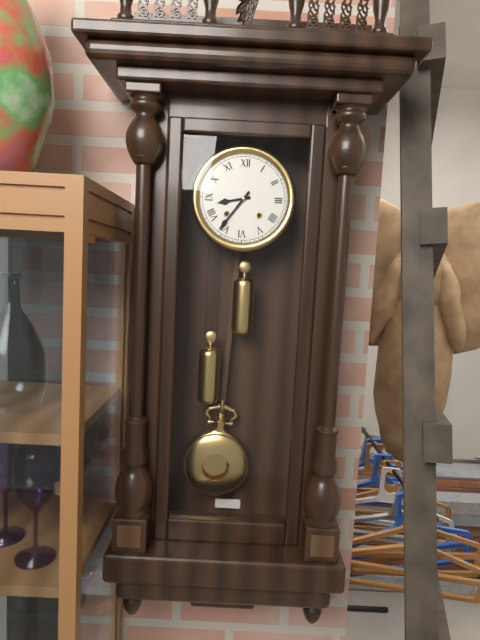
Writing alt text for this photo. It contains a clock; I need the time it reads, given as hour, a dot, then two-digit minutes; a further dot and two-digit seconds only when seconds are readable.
8.36
